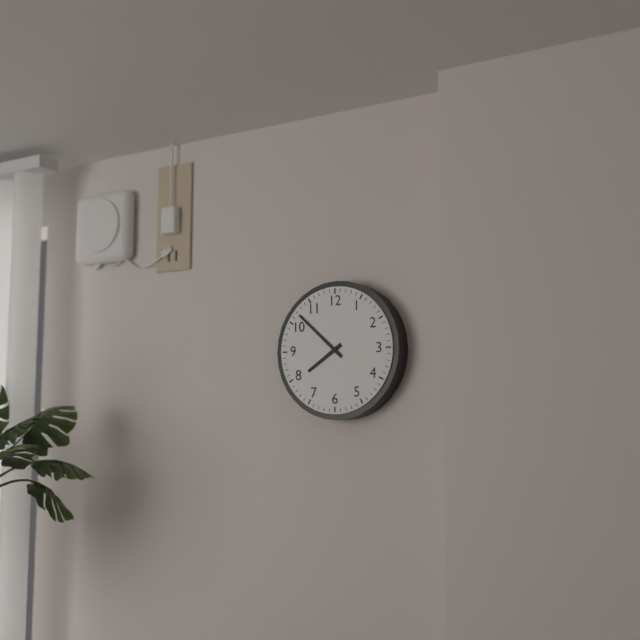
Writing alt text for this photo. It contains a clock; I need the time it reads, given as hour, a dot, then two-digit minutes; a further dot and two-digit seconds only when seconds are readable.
7.52
